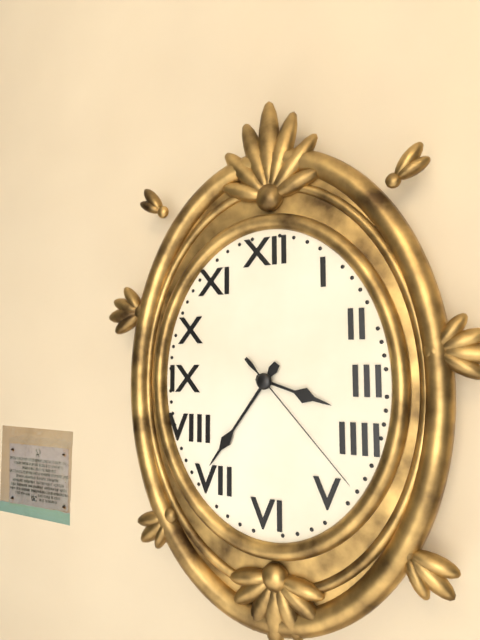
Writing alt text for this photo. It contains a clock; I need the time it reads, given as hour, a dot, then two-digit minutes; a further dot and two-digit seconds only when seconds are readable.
3.36.23
